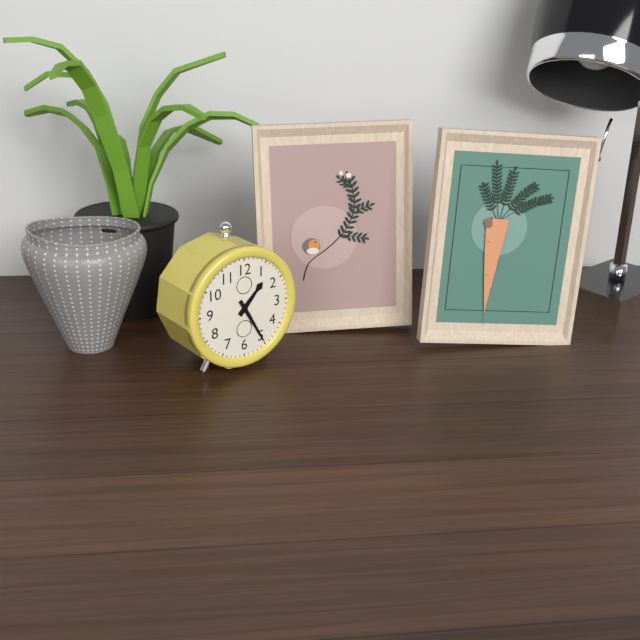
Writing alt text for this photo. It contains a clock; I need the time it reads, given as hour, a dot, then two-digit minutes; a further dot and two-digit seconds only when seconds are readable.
1.25
